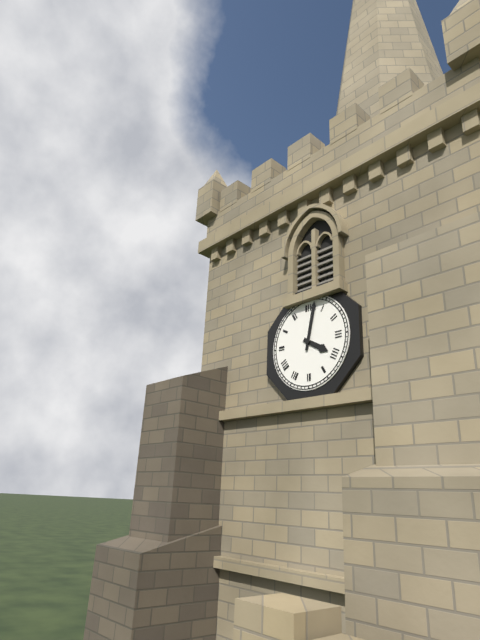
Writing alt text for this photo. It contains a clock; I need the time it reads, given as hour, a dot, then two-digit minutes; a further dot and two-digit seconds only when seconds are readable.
4.02
